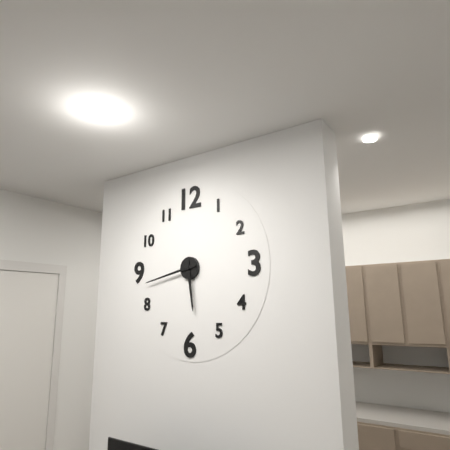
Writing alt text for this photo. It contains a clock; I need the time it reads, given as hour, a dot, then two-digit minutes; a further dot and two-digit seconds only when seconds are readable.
5.43
